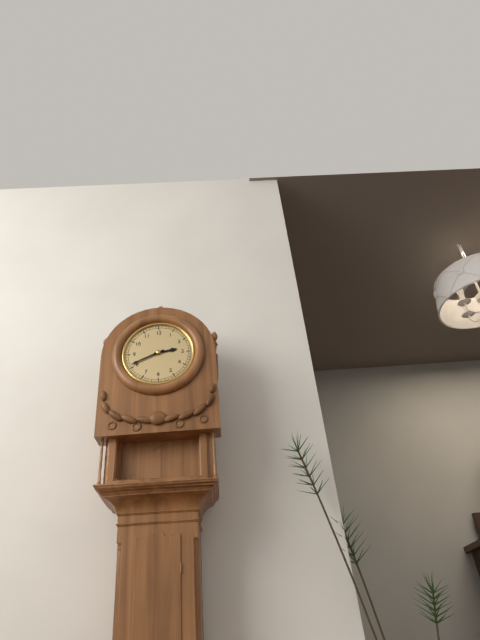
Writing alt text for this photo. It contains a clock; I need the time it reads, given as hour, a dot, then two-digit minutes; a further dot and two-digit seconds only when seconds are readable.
2.41
